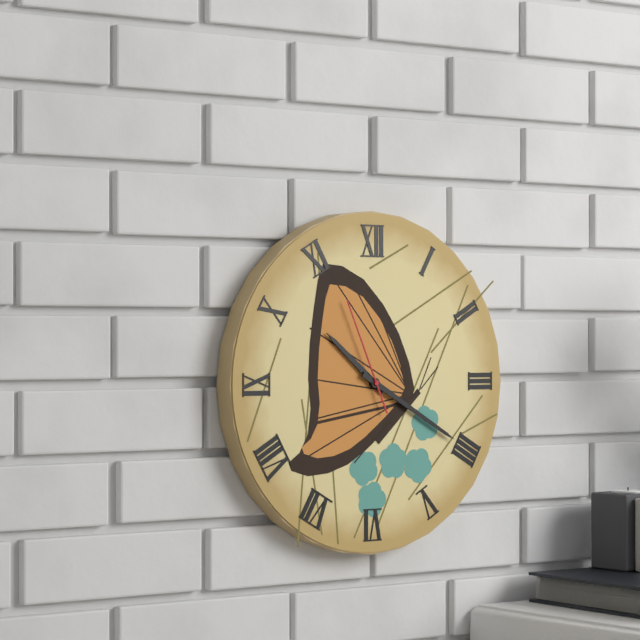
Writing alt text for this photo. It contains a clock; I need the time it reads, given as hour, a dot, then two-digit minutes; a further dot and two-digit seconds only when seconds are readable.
10.20.56
